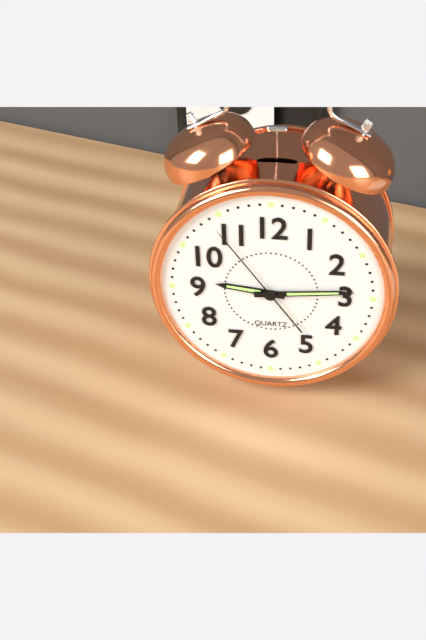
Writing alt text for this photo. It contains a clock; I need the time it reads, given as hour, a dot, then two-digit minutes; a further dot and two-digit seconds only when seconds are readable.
9.14.54
